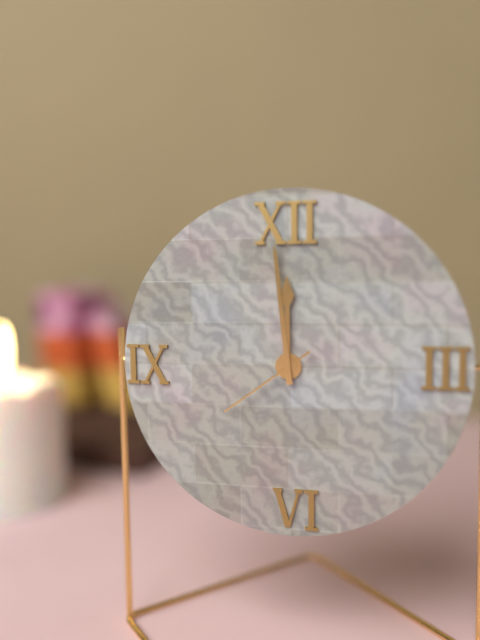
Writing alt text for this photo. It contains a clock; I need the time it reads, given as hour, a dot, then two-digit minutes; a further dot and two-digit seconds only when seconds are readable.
11.59.39
